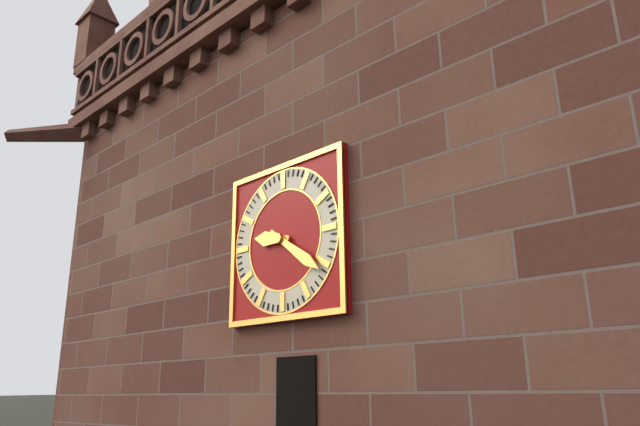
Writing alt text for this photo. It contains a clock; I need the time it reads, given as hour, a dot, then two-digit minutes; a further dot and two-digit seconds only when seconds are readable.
9.21
